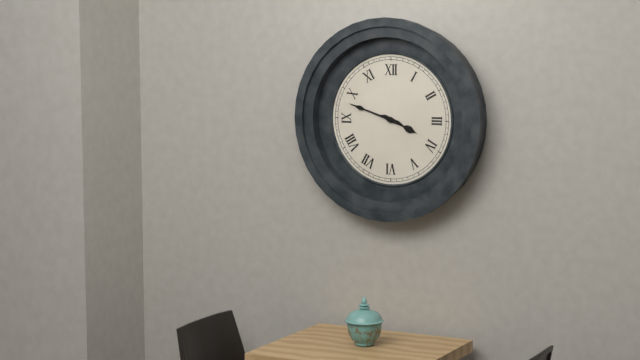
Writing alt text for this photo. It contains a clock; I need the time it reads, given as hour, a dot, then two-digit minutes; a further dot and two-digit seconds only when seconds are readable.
3.48
